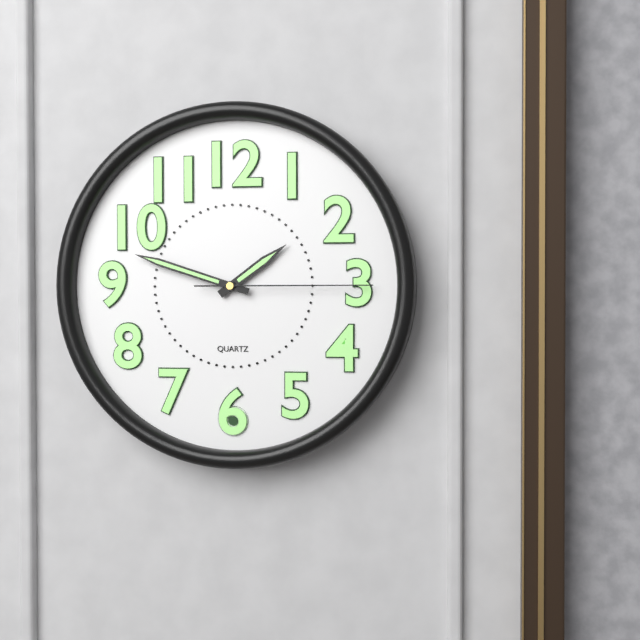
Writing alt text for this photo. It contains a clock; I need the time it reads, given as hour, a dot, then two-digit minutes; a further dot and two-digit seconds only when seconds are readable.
1.48.15
